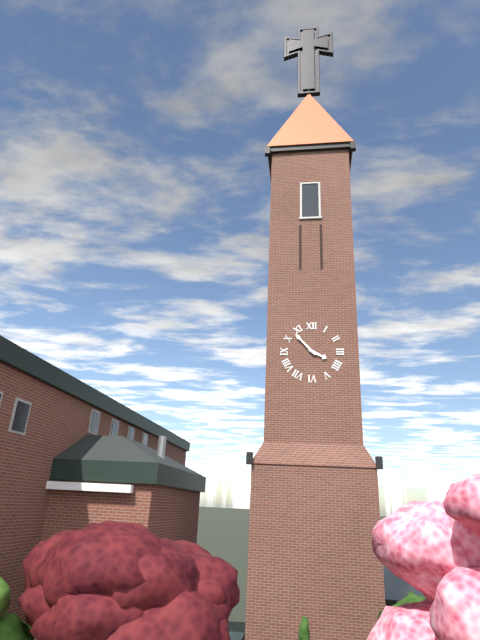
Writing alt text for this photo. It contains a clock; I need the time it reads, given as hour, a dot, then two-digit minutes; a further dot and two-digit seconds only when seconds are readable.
3.53
